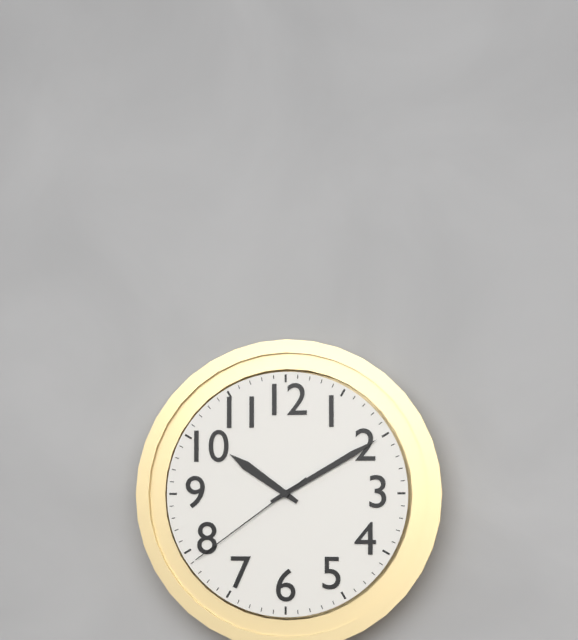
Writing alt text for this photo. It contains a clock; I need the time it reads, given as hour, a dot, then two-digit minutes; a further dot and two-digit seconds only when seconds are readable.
10.10.39
